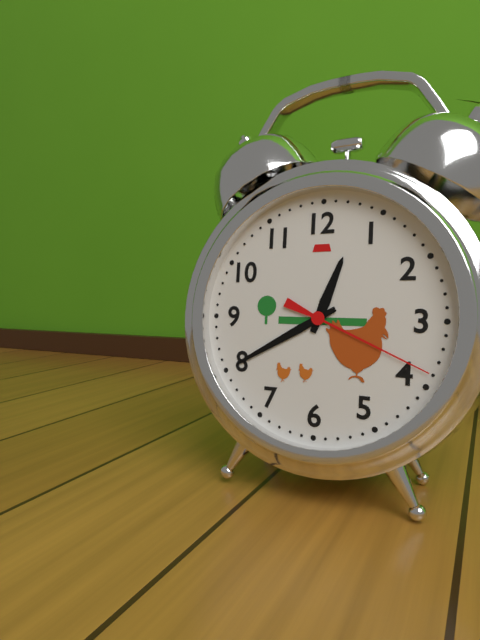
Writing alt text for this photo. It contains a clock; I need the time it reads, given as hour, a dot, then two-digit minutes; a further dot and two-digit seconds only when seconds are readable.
12.40.19
